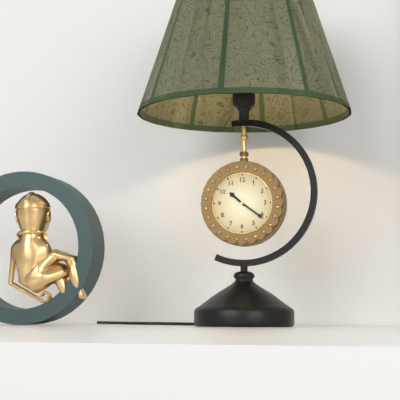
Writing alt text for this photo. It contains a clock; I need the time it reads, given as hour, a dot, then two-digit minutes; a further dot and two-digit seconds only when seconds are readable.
10.21
